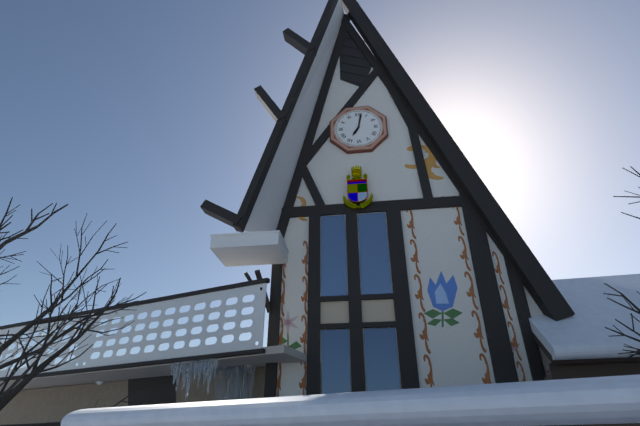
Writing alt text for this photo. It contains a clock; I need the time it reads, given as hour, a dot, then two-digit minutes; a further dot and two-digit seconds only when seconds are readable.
7.02
